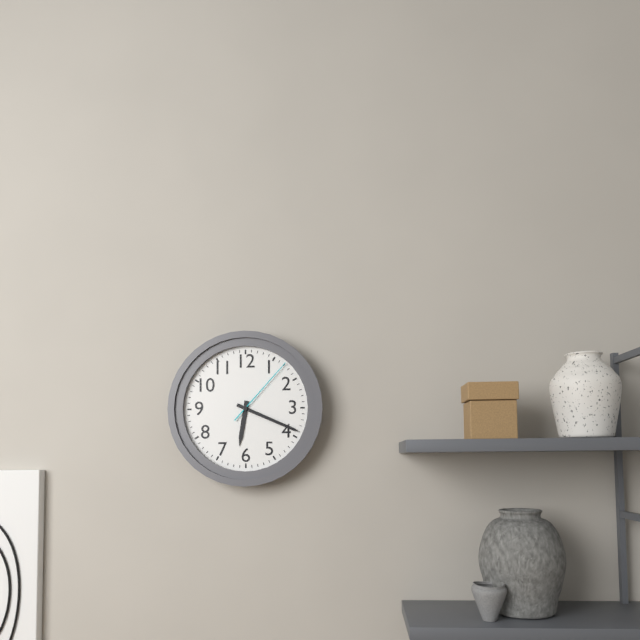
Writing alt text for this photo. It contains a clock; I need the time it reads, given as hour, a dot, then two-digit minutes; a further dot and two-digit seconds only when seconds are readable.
6.19.07
